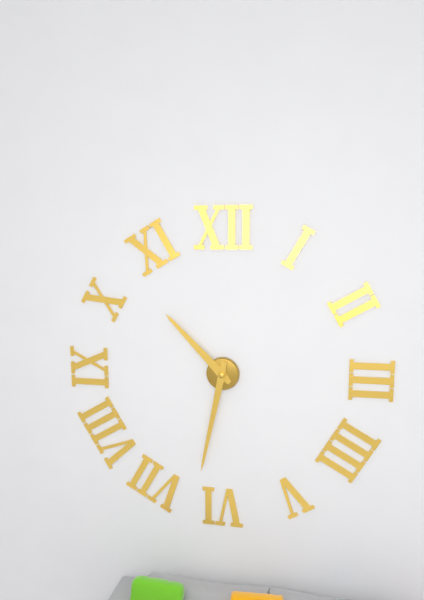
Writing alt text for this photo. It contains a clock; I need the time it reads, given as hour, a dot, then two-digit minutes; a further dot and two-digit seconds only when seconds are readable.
10.32
